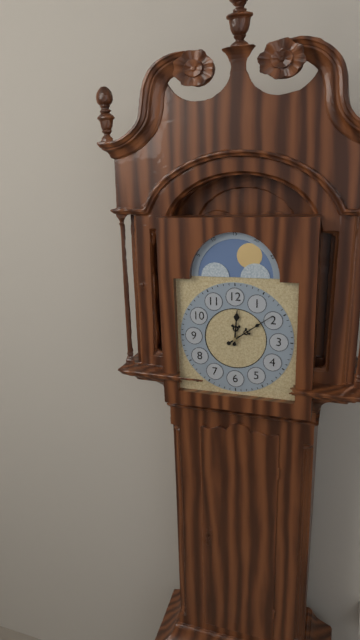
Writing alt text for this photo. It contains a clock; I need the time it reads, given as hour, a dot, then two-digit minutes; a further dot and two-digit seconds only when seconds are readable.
12.09
